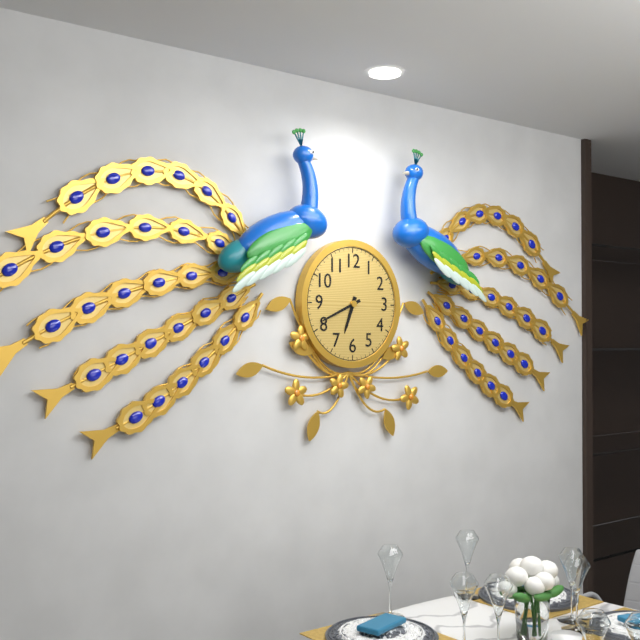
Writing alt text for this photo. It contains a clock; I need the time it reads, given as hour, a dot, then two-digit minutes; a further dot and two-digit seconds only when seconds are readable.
6.41
